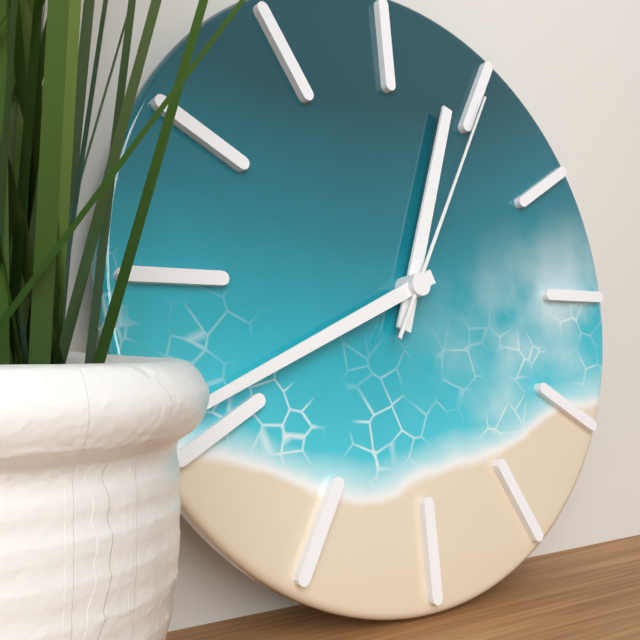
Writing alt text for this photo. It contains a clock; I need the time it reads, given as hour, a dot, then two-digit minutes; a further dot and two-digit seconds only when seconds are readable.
12.41.05
